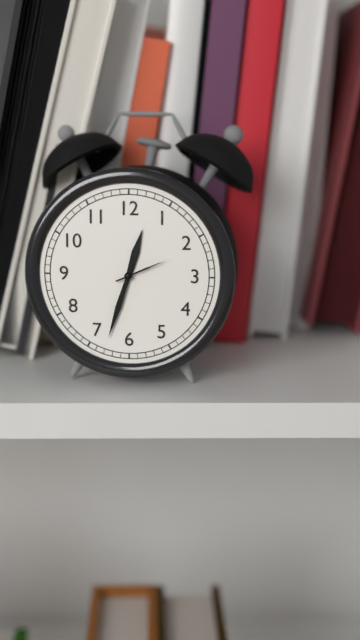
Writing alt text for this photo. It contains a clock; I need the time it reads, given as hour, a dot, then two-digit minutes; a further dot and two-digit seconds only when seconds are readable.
12.33.11
